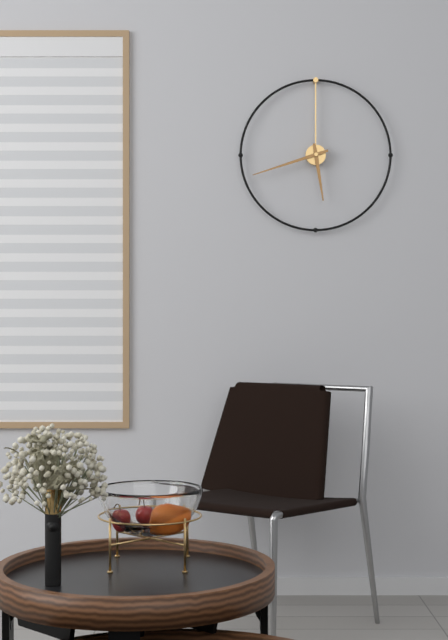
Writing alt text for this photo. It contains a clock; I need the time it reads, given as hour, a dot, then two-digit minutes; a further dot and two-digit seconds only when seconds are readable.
5.42
